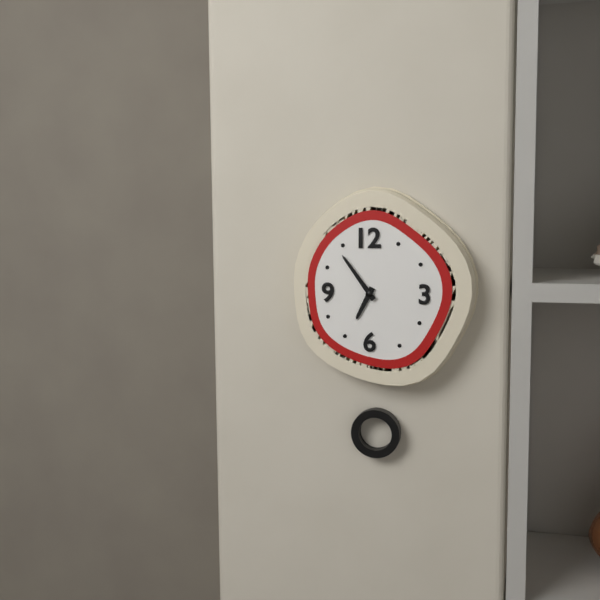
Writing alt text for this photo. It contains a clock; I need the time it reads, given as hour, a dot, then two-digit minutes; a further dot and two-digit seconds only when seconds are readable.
6.54
